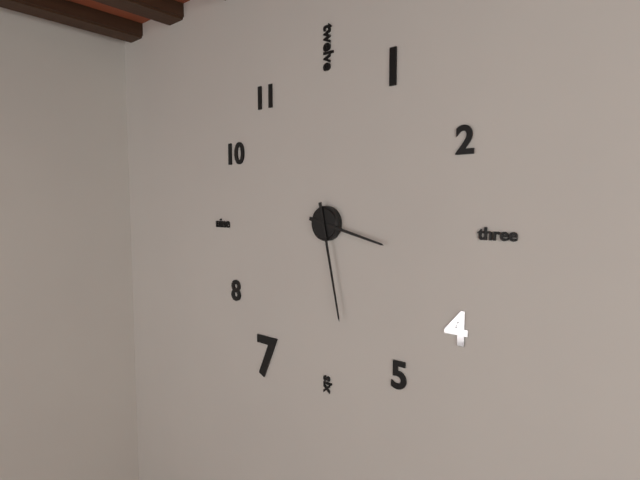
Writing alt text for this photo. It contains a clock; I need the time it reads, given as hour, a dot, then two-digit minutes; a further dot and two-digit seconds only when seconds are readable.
3.28
